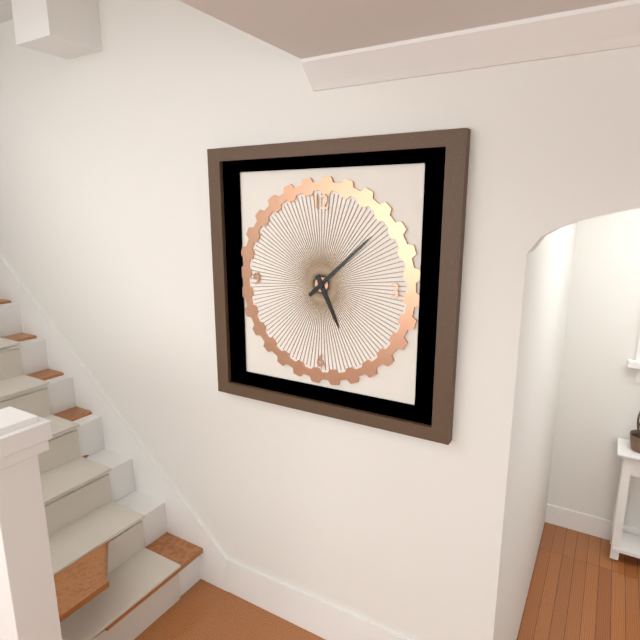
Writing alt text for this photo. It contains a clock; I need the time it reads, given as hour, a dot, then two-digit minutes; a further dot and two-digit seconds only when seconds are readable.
5.08
